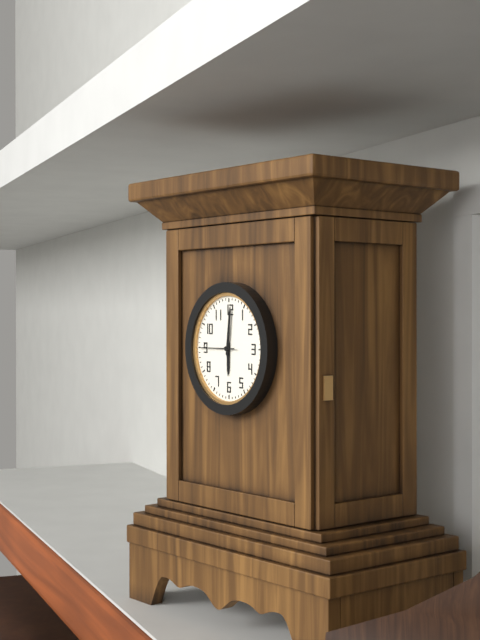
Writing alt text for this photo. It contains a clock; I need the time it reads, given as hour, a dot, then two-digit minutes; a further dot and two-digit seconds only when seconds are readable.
6.01.45
